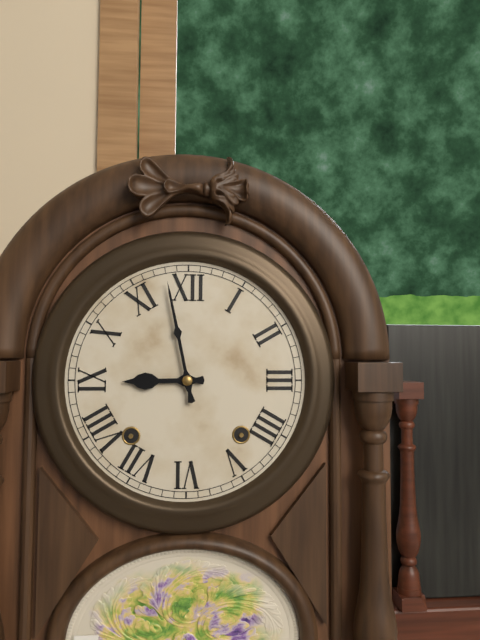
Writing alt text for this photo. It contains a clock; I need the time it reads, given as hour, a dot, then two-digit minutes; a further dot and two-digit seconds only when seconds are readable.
8.58
